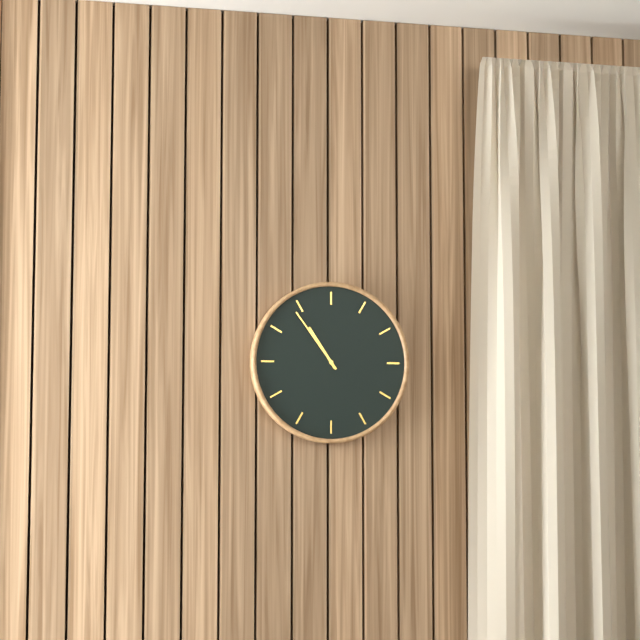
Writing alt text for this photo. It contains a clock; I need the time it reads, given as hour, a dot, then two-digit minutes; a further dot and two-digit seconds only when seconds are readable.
10.54
